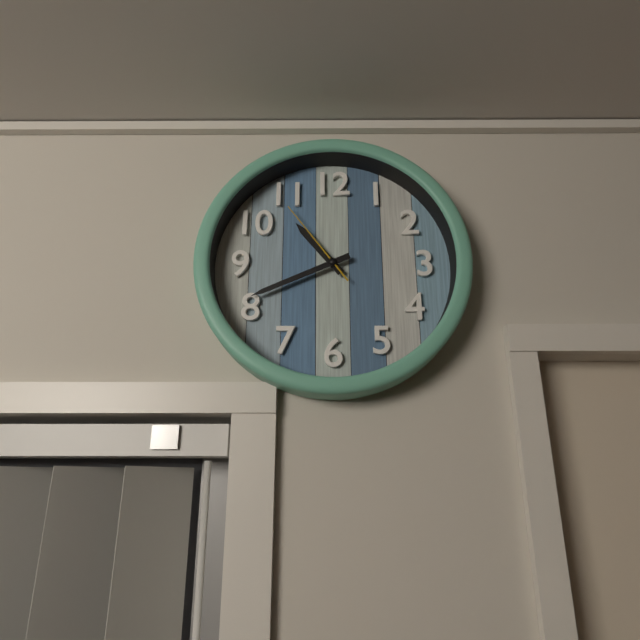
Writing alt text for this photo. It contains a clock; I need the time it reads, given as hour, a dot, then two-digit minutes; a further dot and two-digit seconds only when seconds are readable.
10.41.54
